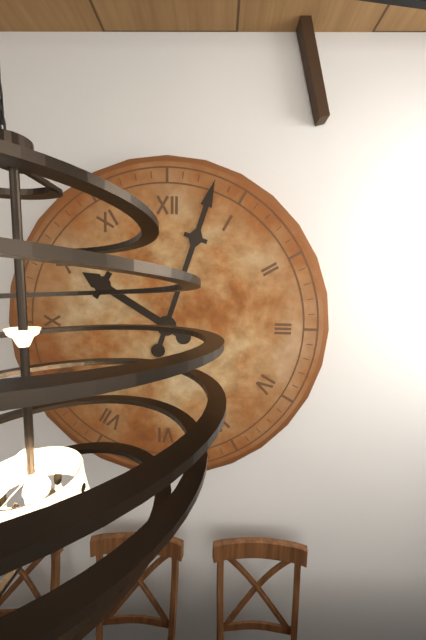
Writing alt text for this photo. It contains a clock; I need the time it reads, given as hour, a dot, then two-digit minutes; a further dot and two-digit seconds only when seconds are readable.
10.03
